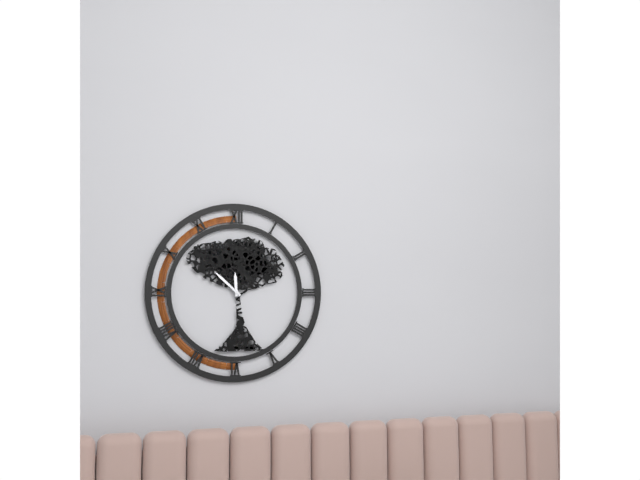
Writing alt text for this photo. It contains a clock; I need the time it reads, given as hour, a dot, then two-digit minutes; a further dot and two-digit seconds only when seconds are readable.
11.52
